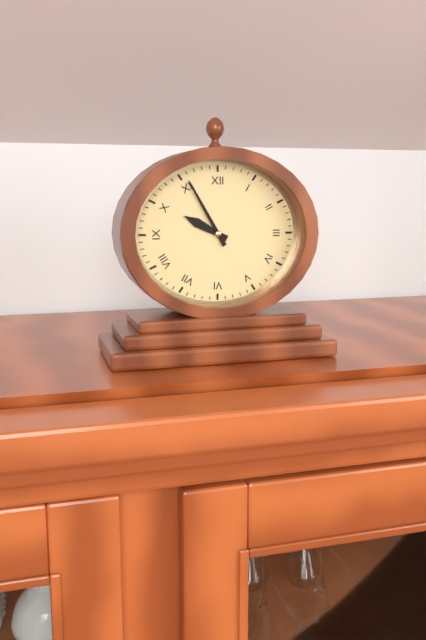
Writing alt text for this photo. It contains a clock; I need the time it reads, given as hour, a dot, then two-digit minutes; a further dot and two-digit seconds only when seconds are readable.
9.55
